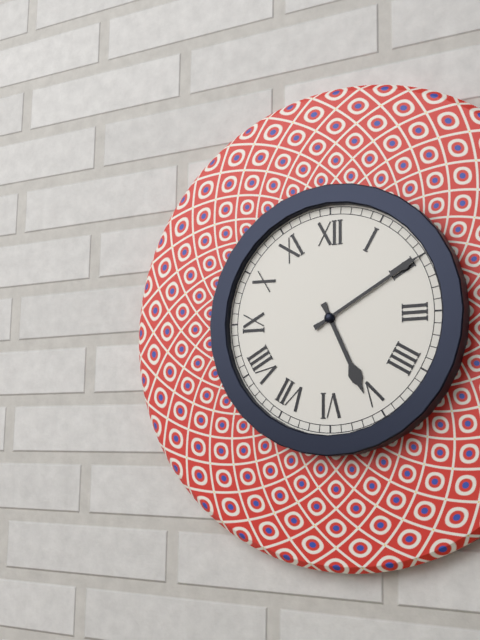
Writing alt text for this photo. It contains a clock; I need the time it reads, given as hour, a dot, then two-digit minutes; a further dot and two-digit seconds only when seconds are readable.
5.10
